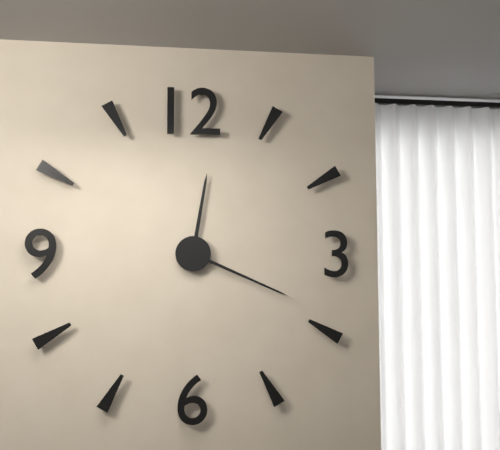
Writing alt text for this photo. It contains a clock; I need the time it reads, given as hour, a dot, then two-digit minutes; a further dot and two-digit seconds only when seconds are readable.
12.19
